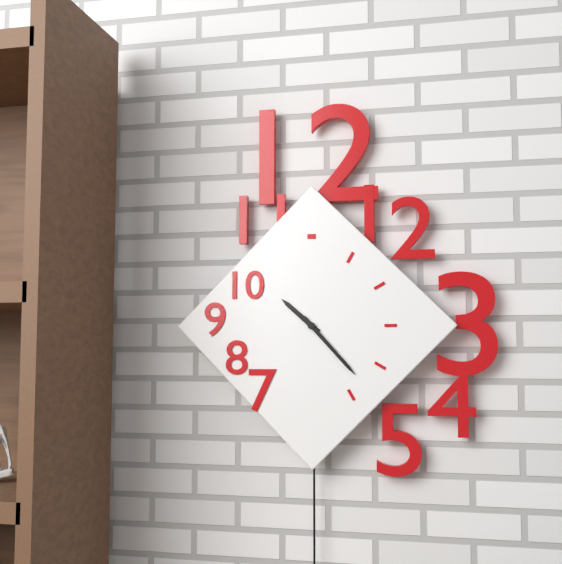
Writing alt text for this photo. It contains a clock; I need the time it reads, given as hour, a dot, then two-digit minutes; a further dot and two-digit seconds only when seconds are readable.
10.23
